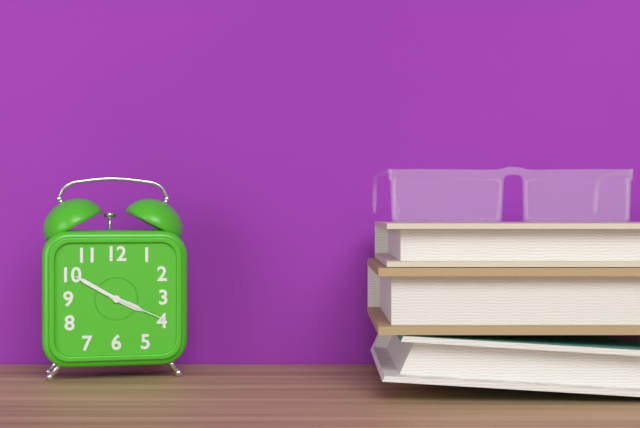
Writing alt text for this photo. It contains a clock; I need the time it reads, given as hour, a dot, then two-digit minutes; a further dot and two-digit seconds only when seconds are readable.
3.50.19
